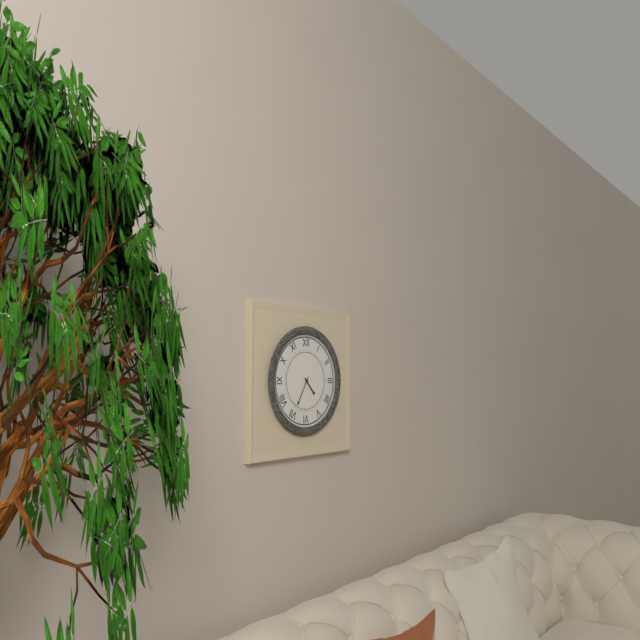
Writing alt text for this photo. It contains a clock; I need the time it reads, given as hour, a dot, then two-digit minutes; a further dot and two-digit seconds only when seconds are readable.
4.35
